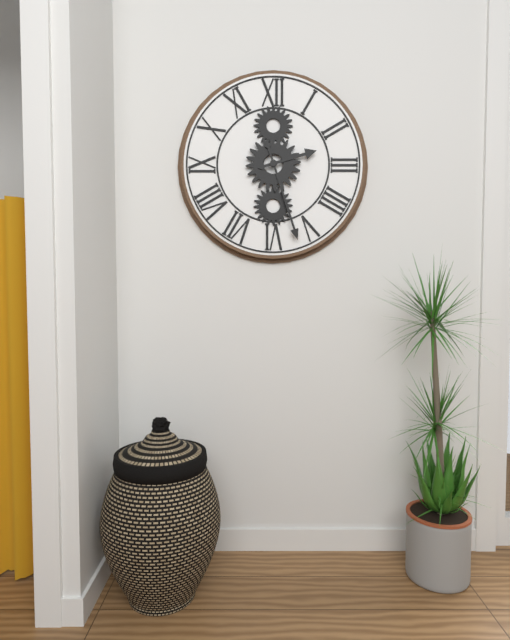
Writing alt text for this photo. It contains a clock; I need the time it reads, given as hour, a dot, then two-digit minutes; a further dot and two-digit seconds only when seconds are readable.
2.27
